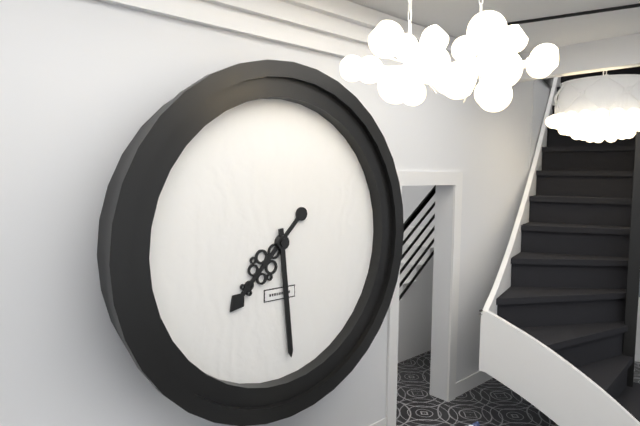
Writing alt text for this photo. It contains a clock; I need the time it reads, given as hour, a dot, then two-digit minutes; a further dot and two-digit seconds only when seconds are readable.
7.29
